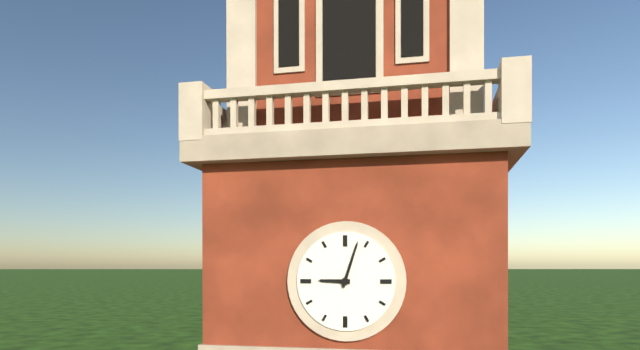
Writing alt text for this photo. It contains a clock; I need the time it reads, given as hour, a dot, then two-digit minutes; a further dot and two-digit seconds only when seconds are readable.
9.03
